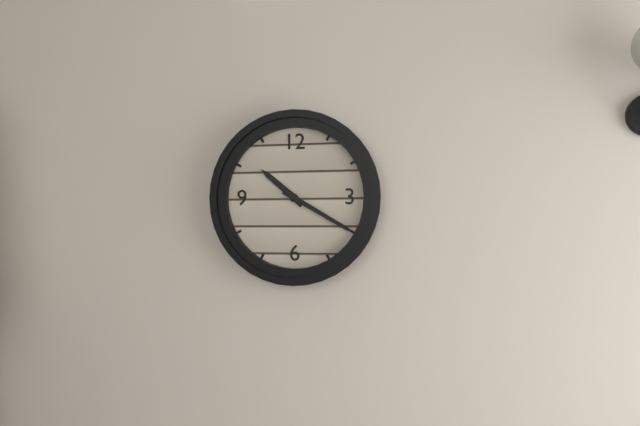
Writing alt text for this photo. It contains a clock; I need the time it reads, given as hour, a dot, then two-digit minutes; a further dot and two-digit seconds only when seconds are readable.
10.20
